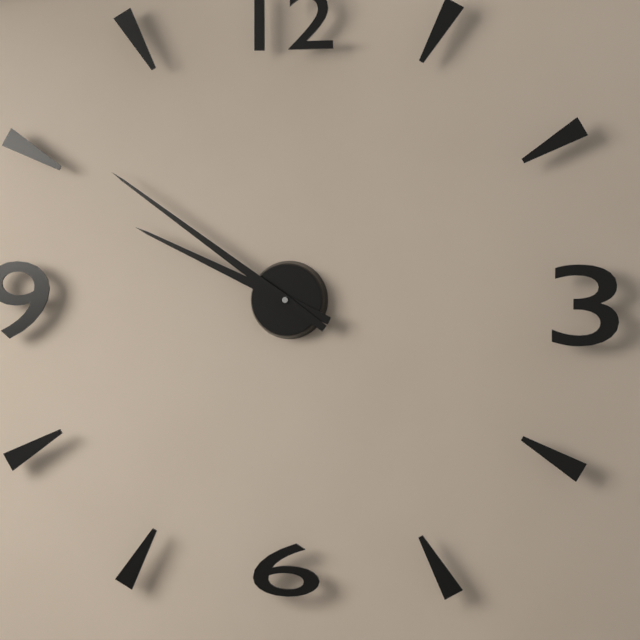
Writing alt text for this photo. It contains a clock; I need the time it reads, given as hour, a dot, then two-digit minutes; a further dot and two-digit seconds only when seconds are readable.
9.51
